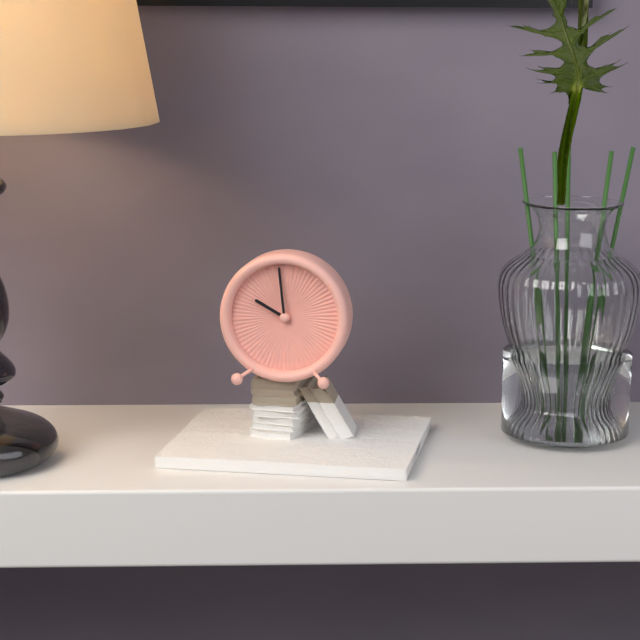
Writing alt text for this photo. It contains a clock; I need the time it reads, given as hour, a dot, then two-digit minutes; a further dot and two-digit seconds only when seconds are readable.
9.59
